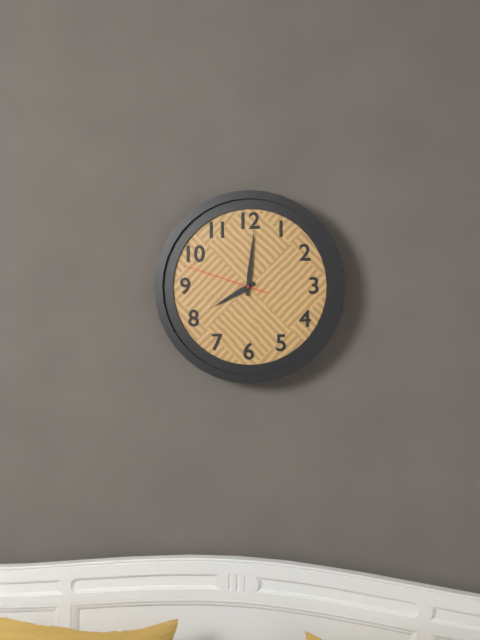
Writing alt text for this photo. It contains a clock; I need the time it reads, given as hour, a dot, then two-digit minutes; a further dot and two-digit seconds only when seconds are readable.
8.01.48
